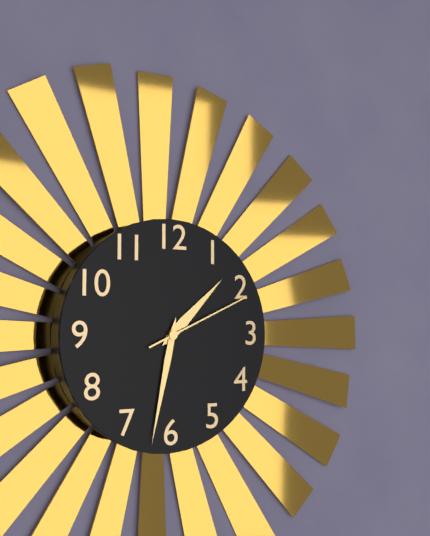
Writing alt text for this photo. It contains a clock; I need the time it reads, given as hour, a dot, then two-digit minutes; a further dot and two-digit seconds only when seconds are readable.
1.32.11
